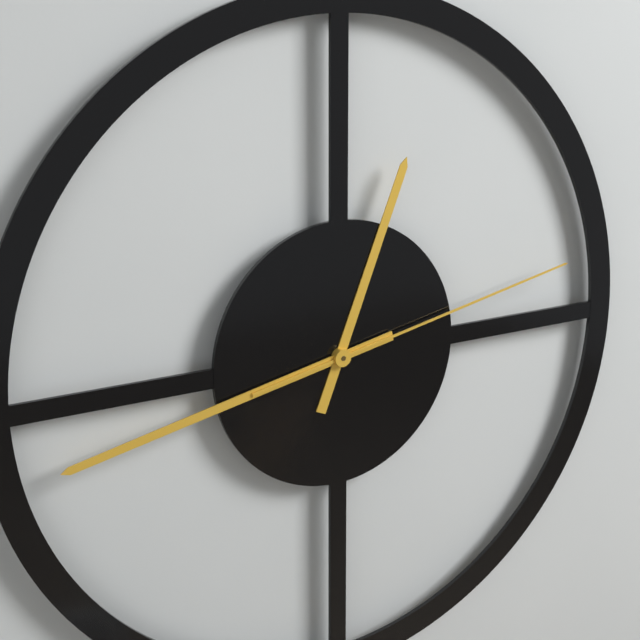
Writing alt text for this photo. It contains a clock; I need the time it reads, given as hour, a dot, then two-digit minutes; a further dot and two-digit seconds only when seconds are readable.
12.43.13
